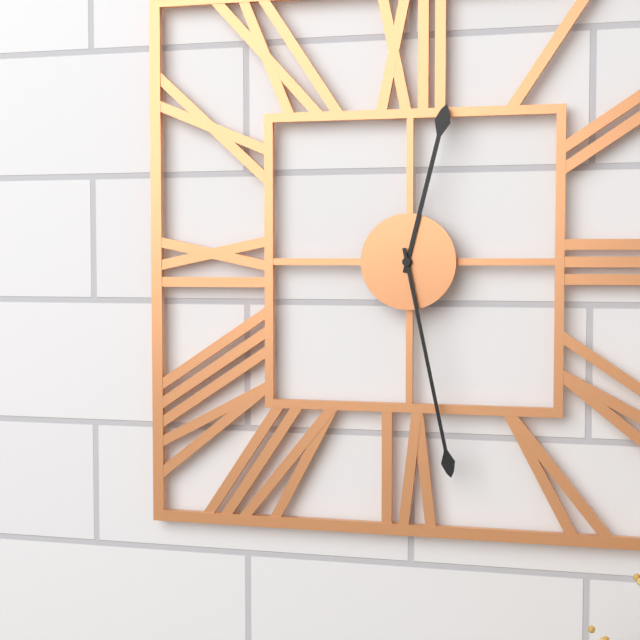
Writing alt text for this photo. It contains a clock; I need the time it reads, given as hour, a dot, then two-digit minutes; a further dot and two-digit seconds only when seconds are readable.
12.28
